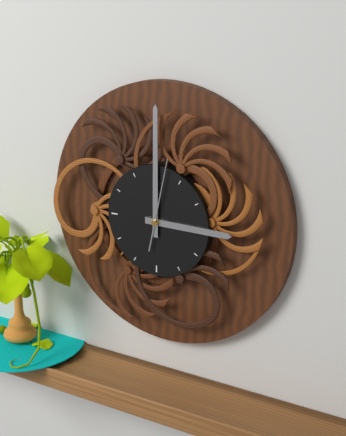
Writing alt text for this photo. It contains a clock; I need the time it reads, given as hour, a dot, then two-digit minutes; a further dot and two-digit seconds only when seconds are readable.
3.00.02
